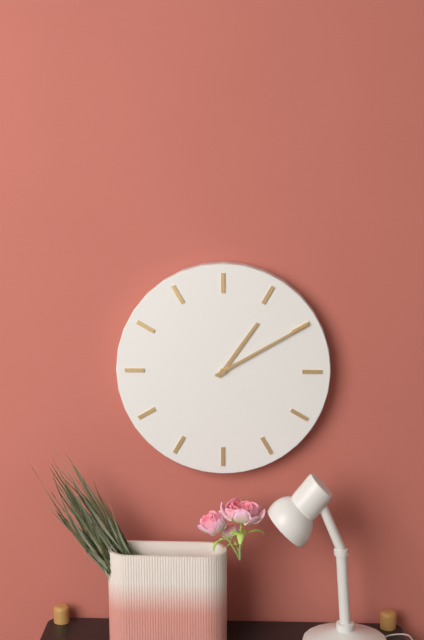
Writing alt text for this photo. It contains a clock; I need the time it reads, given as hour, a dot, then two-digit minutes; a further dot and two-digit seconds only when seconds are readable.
1.10
